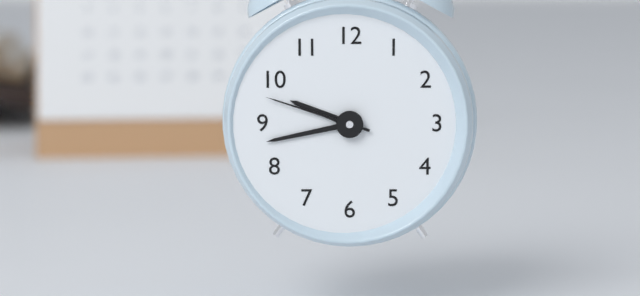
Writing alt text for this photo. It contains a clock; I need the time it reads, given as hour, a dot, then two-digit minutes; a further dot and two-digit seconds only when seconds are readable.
9.43.48
